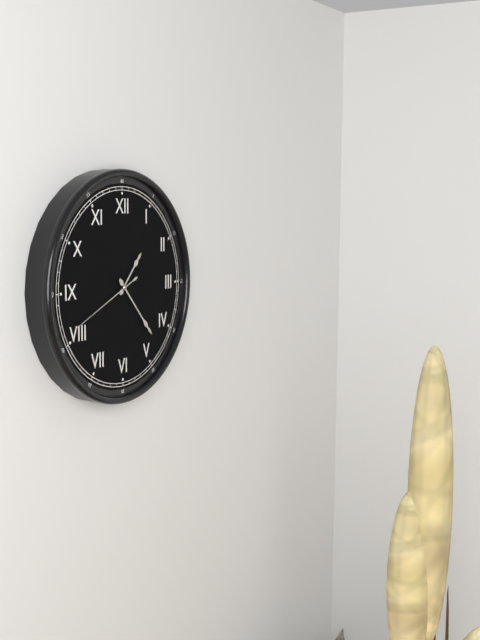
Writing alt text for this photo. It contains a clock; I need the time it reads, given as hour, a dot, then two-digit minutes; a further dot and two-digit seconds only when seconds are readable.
1.23.41
